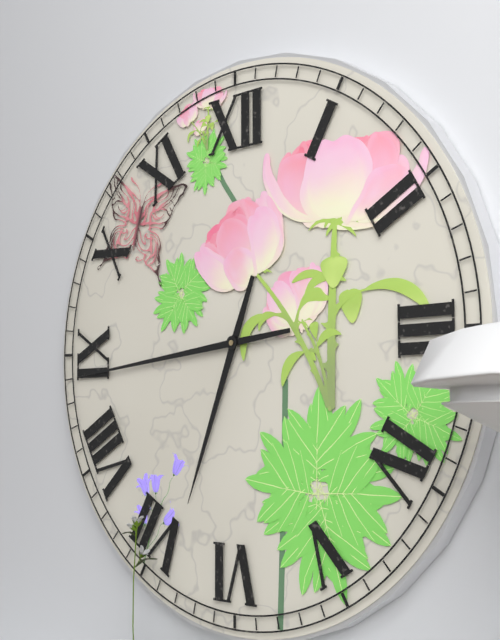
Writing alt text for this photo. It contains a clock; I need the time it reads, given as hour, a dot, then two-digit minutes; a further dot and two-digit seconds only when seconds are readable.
6.44
